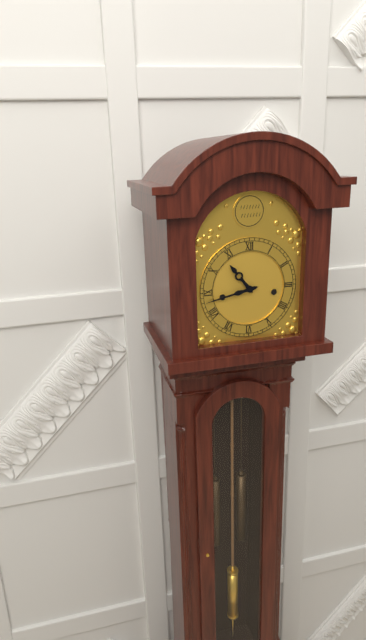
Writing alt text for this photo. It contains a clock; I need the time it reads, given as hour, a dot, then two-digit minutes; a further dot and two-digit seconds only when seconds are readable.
10.43
